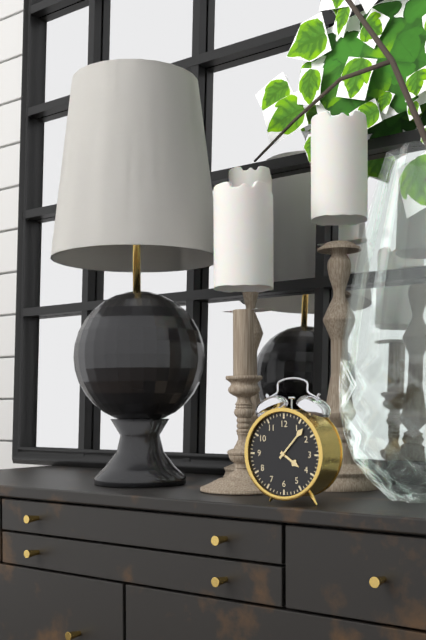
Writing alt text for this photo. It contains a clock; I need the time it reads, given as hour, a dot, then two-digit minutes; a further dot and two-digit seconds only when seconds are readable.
4.07
